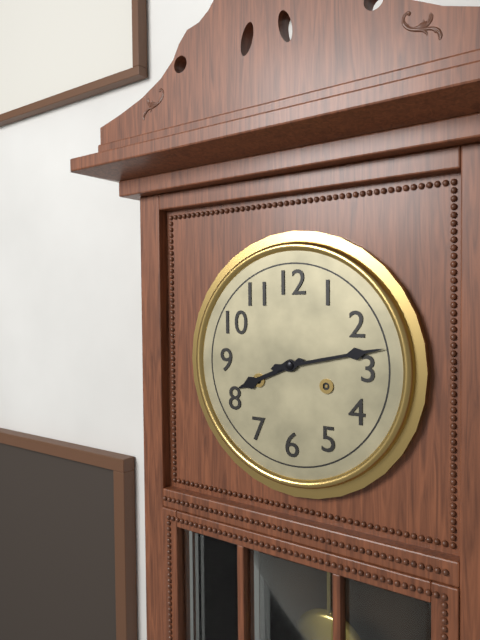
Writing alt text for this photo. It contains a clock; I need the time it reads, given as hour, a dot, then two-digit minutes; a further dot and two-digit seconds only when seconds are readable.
8.13
